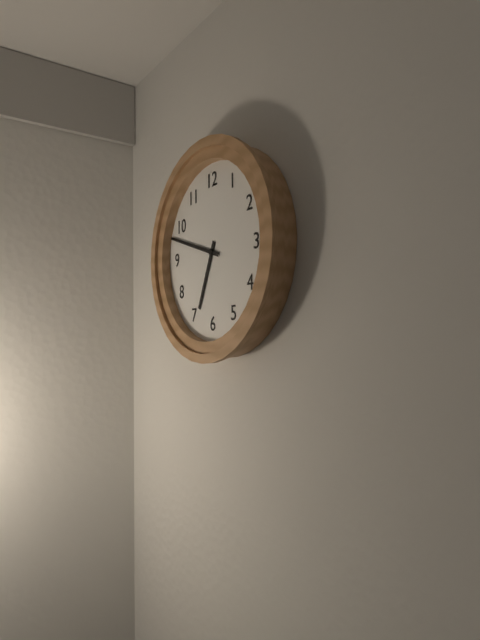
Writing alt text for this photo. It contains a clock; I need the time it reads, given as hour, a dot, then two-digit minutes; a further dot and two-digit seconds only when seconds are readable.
6.48
